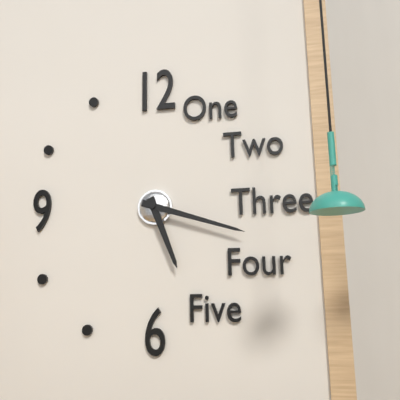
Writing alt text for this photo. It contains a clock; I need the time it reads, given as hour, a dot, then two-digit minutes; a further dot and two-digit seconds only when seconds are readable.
5.18
